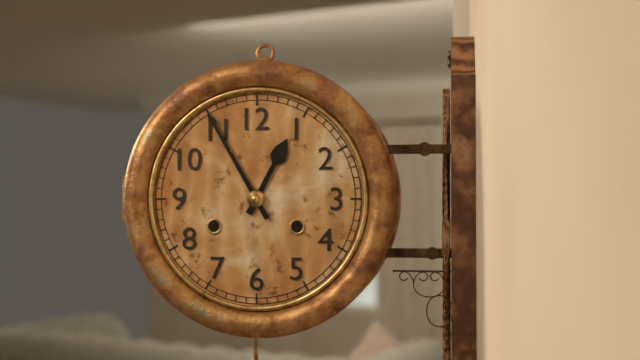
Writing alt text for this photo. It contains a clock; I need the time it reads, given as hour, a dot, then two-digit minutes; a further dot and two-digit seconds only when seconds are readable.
12.55
